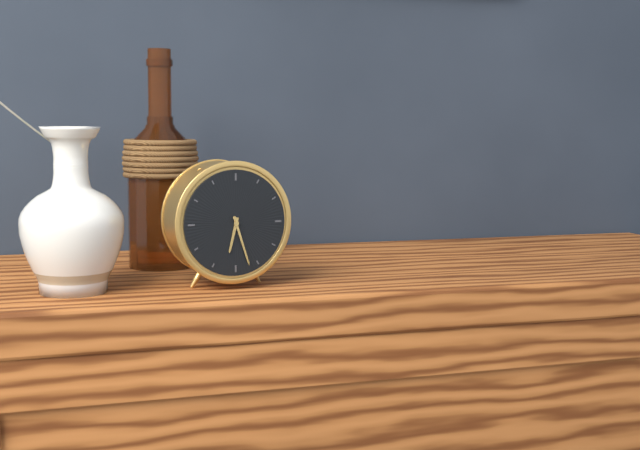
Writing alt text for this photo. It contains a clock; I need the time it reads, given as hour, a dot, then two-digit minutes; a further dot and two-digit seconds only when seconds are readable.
6.27
